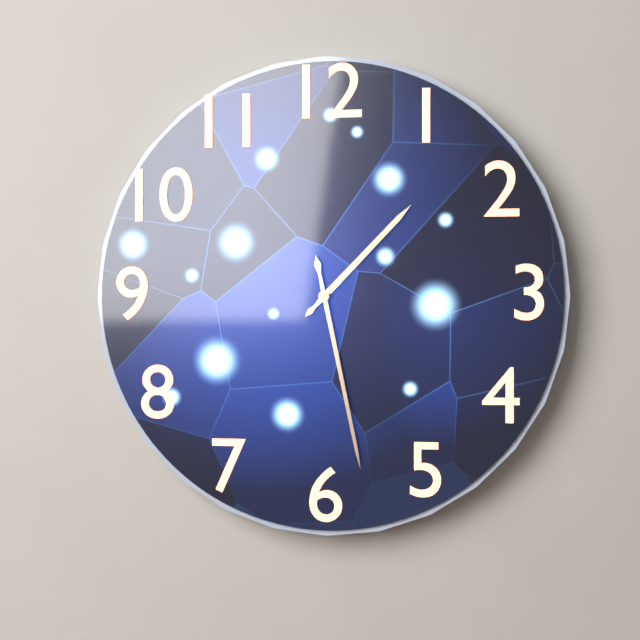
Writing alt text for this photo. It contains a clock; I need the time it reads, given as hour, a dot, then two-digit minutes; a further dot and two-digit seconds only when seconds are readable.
1.28
